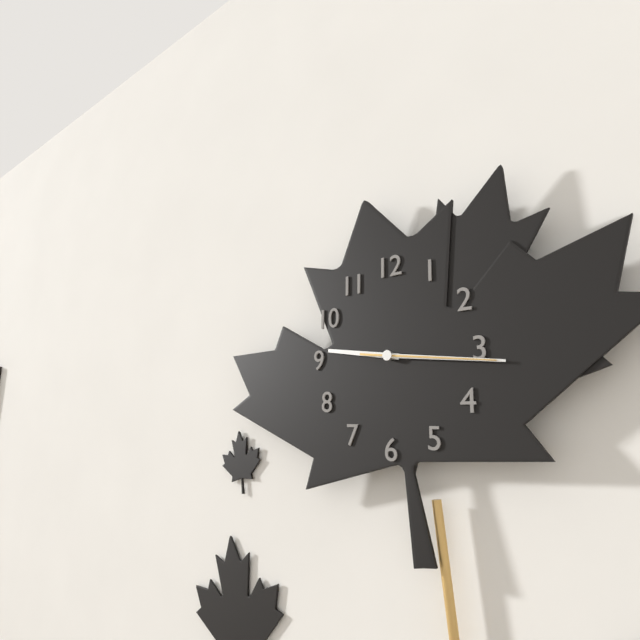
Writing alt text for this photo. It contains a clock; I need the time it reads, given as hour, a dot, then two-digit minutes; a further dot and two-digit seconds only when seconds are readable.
9.16.16
